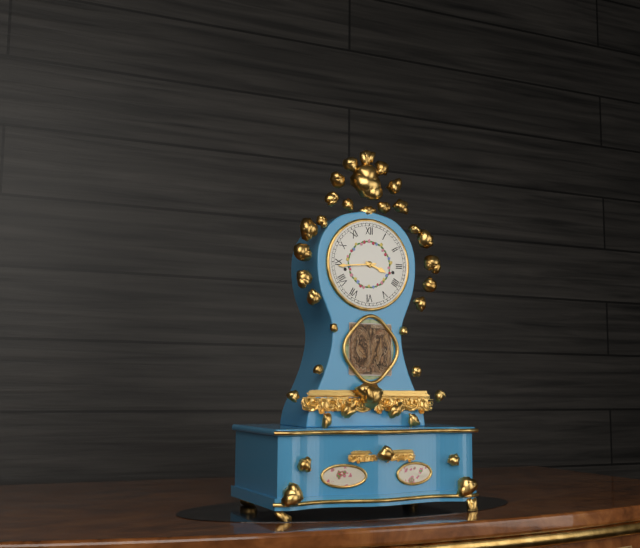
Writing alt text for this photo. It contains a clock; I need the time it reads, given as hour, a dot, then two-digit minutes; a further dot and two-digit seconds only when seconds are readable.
3.44
